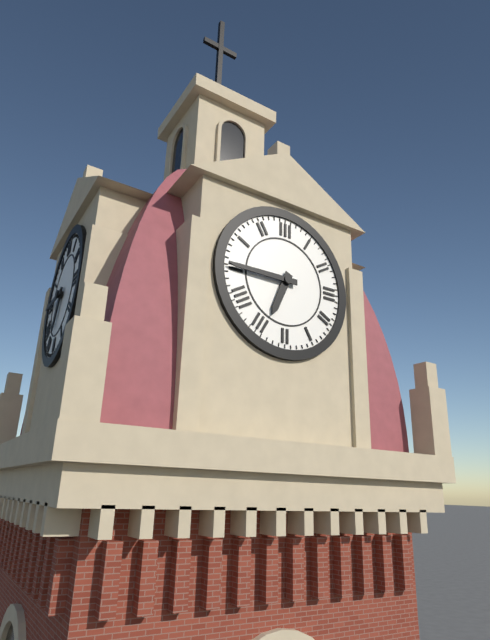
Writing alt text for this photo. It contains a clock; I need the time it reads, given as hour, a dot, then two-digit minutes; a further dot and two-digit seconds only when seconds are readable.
6.45
